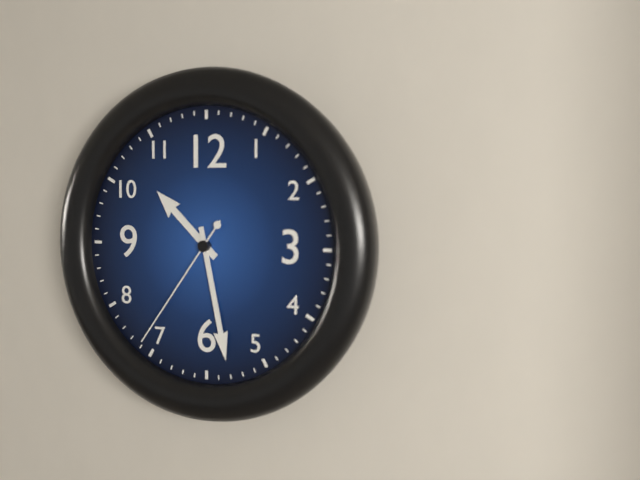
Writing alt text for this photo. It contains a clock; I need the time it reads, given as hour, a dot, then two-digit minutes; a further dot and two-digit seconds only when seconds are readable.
10.28.36
